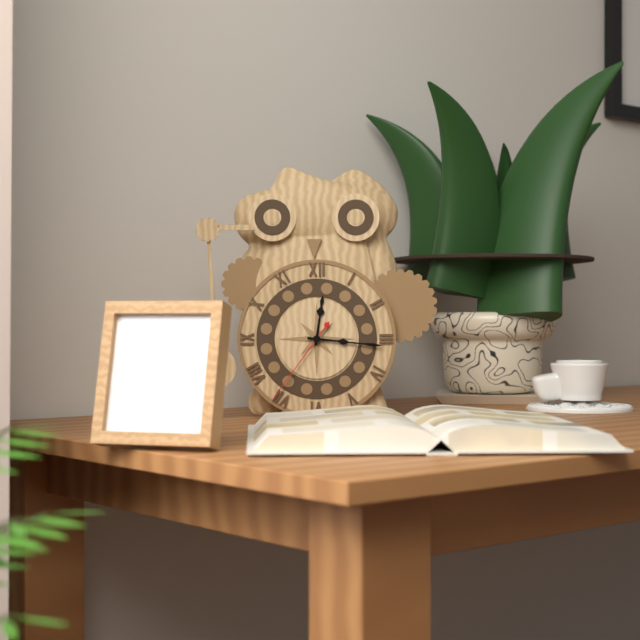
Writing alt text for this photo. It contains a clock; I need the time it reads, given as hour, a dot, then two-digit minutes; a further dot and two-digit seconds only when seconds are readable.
12.16.36
